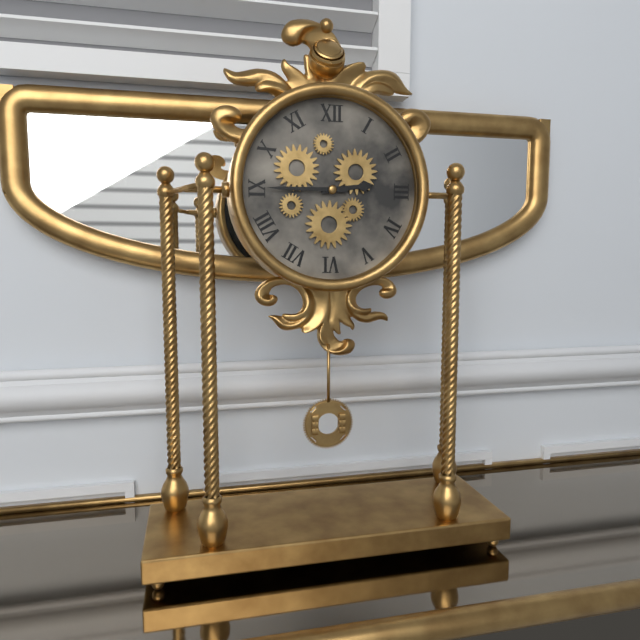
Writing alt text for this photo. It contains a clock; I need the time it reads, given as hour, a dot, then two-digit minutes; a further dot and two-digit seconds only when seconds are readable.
2.45
